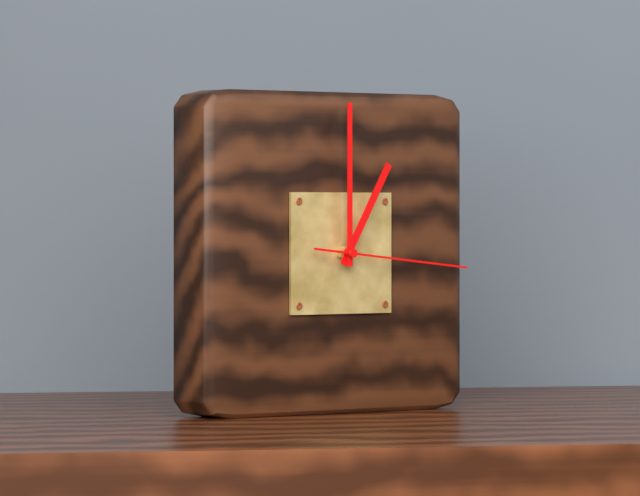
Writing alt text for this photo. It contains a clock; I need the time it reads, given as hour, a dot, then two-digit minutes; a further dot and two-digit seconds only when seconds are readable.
1.00.16
